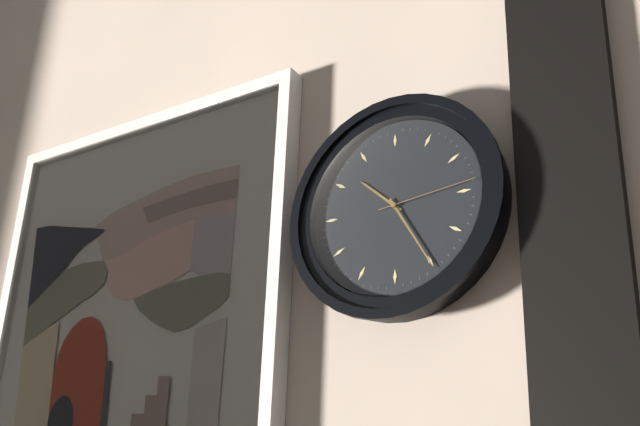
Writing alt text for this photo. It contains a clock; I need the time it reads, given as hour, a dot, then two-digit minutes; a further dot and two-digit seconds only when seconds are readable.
10.25.14
